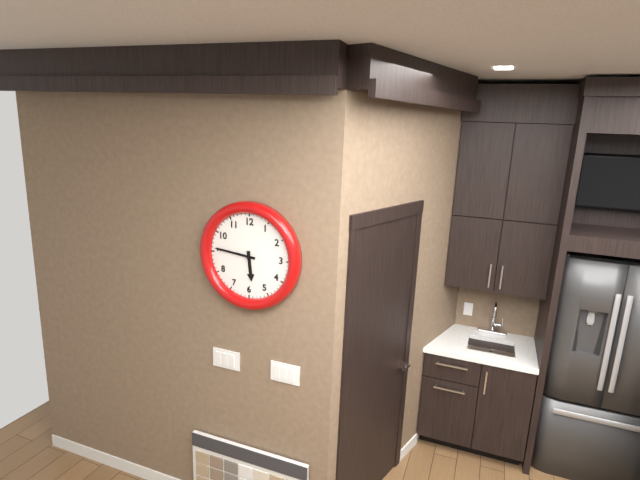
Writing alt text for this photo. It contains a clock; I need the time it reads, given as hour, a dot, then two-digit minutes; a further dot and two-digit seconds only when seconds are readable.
5.46
